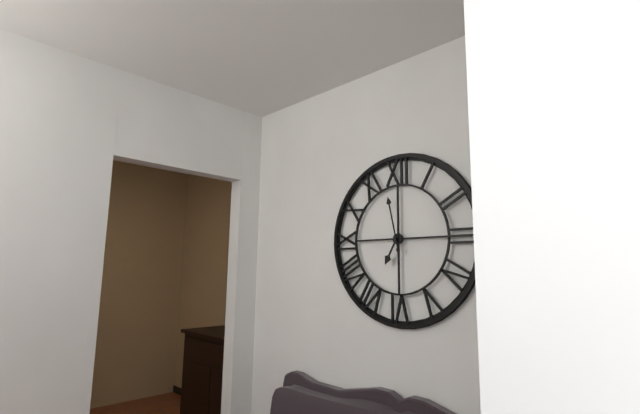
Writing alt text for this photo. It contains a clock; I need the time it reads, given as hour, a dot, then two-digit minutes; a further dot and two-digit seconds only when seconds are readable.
6.58
